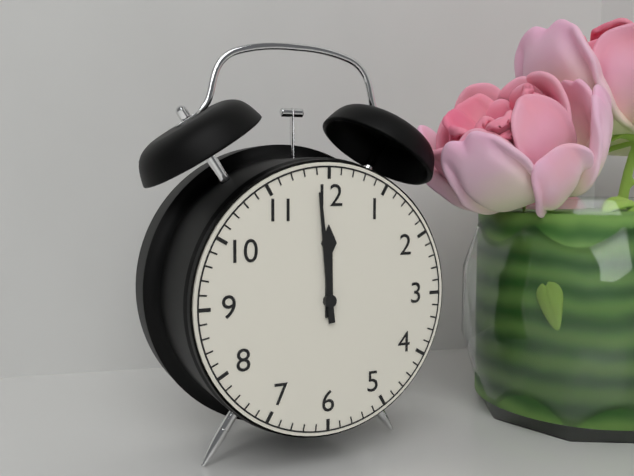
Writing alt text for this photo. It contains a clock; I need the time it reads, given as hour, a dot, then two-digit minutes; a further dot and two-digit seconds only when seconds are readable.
11.59
